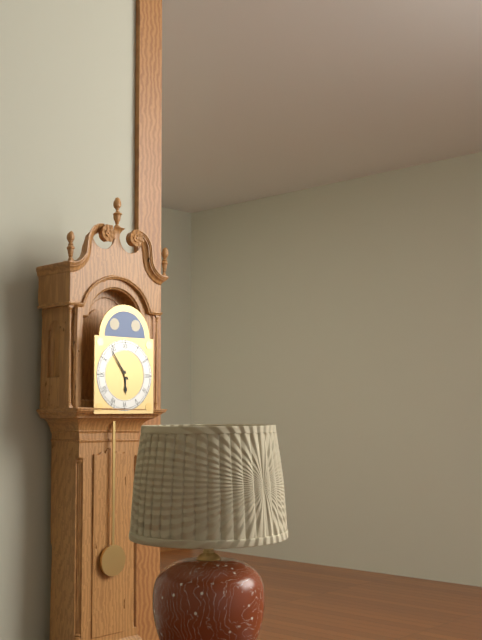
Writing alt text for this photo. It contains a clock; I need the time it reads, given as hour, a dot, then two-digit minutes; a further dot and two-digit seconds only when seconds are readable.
5.54
